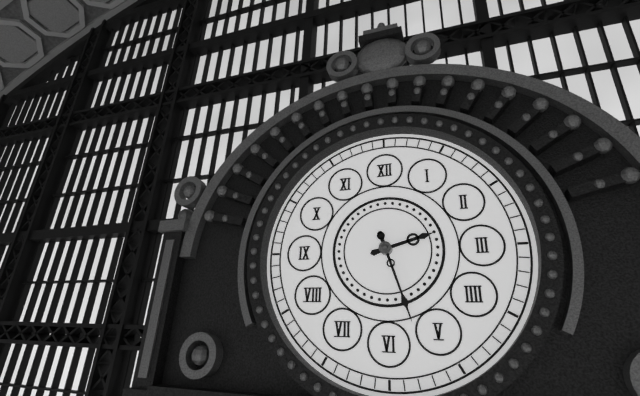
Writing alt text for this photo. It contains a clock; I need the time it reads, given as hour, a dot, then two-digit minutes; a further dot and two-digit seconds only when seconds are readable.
2.27
